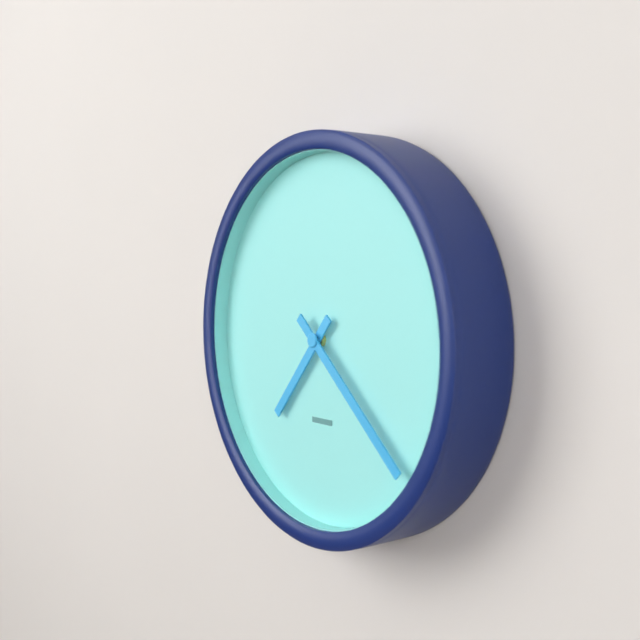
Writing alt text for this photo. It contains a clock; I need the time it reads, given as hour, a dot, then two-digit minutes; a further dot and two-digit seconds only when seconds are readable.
7.22
